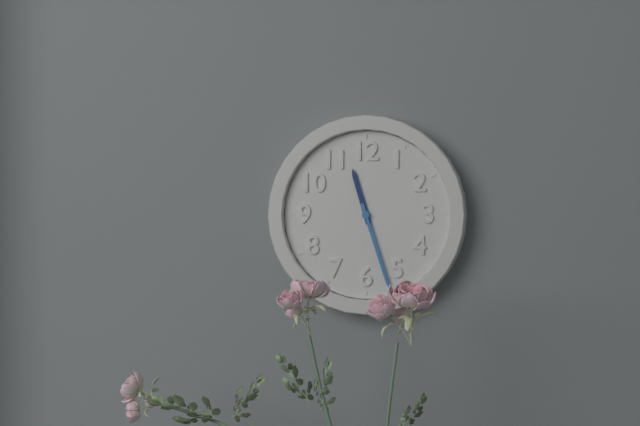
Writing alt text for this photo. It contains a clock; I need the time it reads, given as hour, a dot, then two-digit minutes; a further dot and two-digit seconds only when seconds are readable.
11.27
